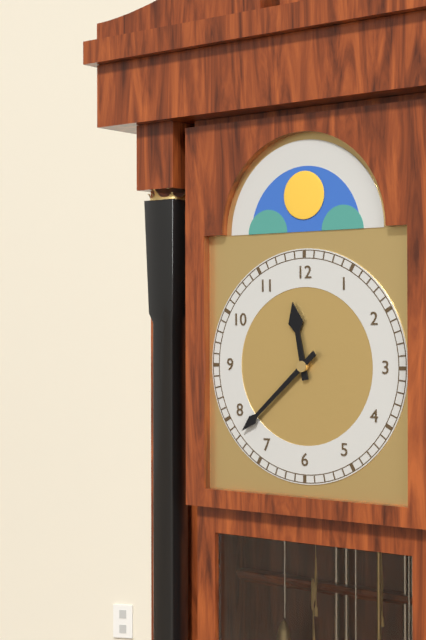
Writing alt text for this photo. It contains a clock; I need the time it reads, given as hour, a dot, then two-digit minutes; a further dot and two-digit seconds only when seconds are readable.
11.38
